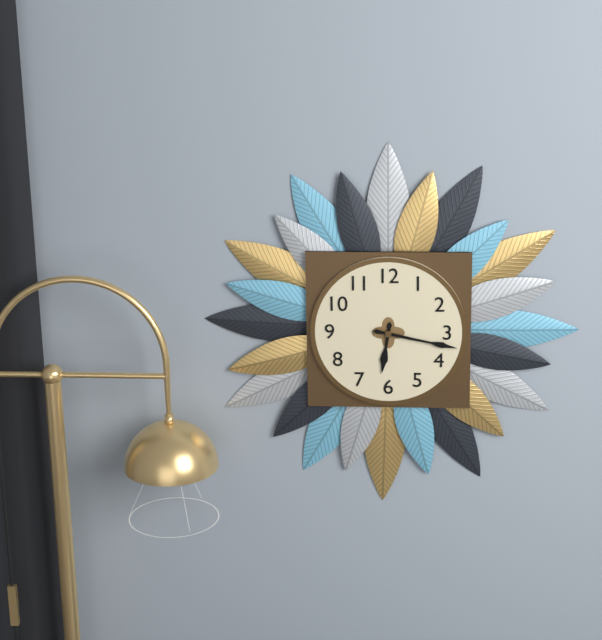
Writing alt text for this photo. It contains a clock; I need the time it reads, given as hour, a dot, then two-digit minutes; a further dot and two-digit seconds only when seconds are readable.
6.17
